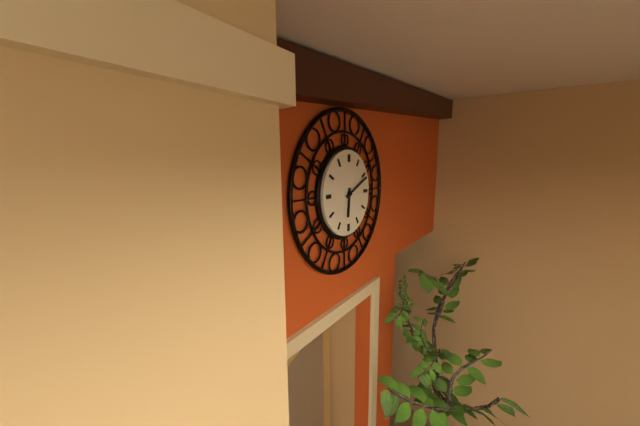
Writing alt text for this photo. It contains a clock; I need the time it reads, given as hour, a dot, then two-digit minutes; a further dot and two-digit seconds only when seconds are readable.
6.11
